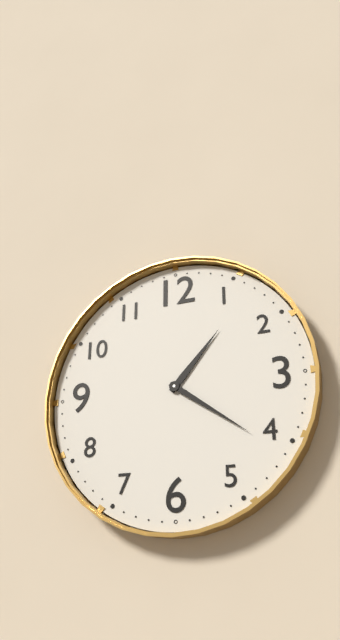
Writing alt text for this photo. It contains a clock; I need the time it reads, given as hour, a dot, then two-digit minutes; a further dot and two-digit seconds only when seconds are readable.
1.21
